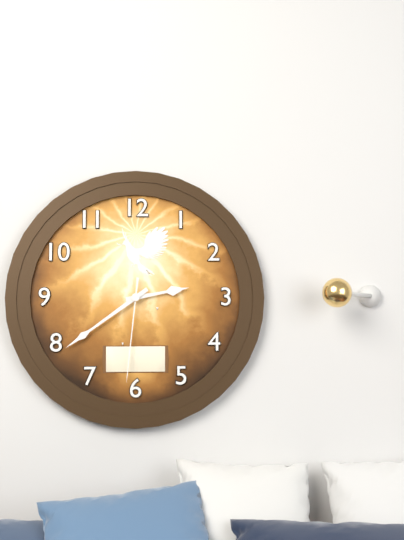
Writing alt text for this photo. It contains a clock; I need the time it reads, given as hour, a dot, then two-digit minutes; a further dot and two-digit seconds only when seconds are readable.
2.39.31
